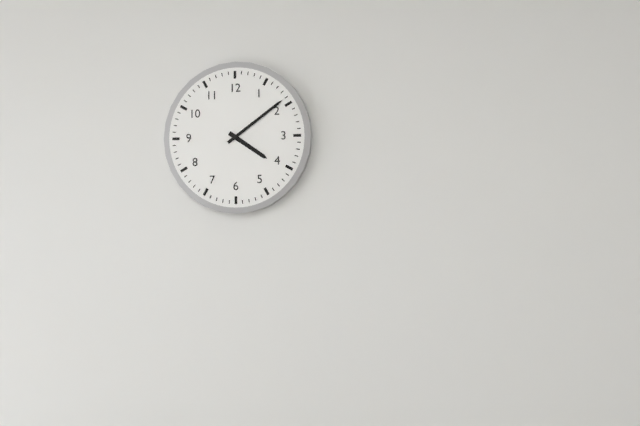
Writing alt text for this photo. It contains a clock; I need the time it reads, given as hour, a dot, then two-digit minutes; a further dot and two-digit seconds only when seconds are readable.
4.09
